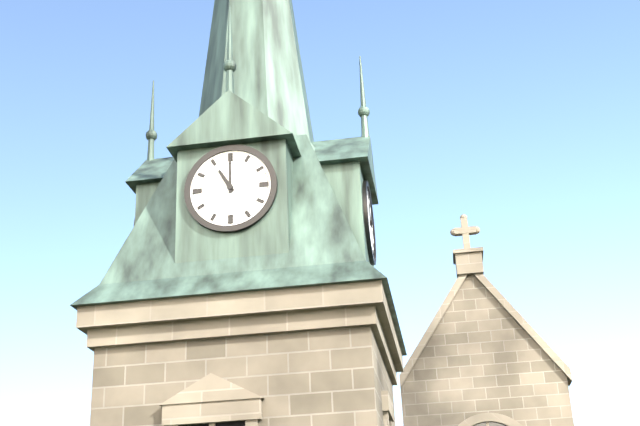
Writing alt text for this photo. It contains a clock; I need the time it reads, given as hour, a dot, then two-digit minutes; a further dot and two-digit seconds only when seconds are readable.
11.00
